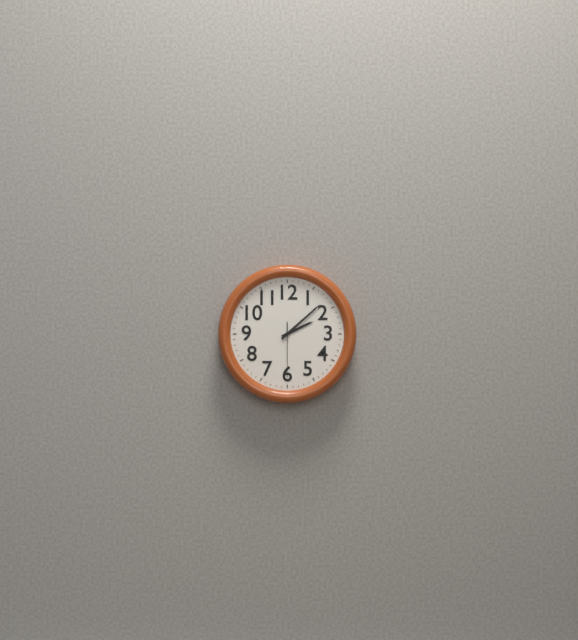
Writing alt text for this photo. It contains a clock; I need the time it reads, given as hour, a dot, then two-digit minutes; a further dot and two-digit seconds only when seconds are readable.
2.08.30
